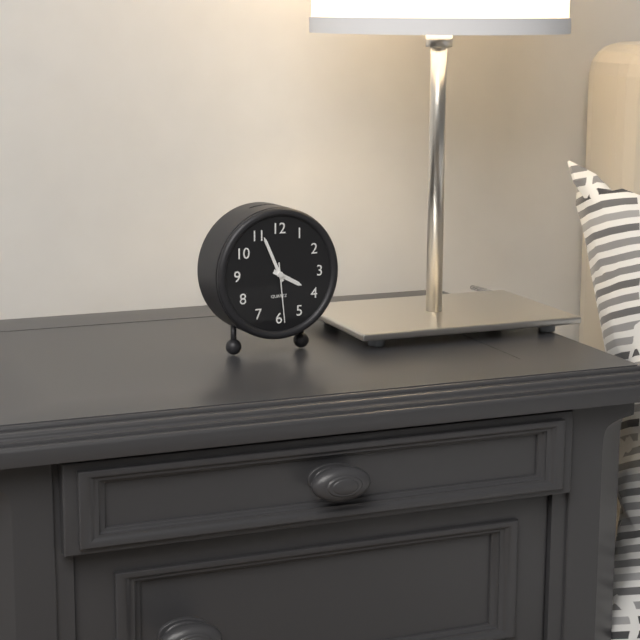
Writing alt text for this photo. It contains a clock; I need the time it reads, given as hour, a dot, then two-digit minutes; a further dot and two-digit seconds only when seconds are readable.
3.56.29
